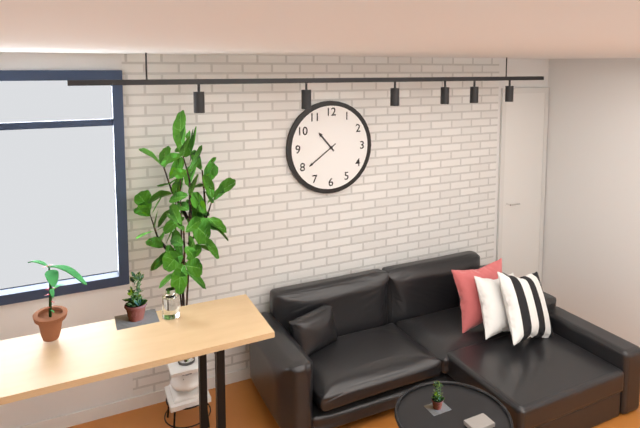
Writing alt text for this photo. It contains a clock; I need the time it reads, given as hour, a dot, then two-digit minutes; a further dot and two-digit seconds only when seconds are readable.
10.39
